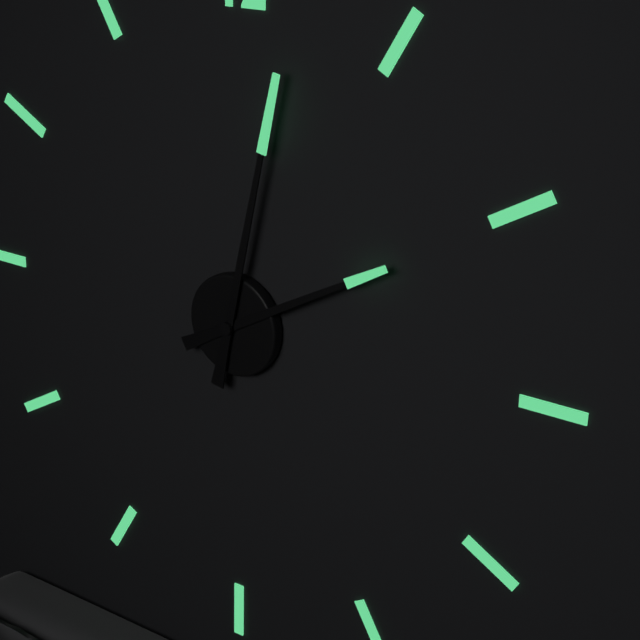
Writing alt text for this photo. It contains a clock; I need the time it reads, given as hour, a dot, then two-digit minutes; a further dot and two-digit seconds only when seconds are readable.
2.02
